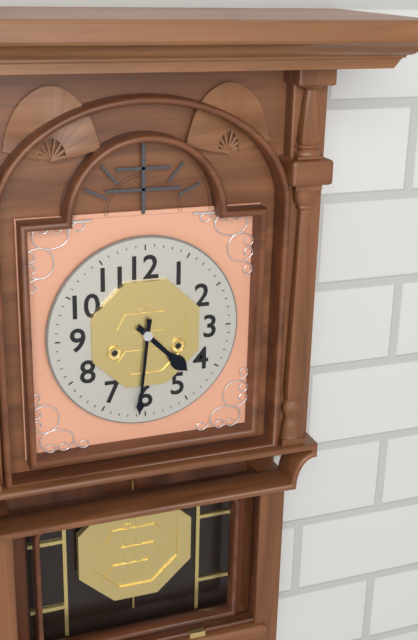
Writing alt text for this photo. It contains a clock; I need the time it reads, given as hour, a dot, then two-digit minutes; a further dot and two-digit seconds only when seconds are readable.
4.31
